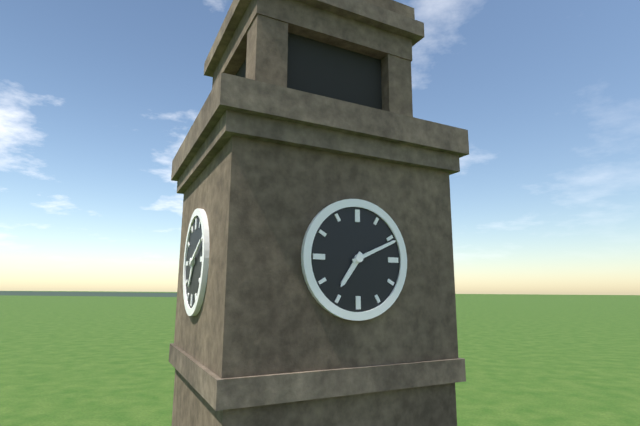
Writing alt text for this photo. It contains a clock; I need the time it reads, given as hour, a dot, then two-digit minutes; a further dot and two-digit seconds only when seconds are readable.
7.11
